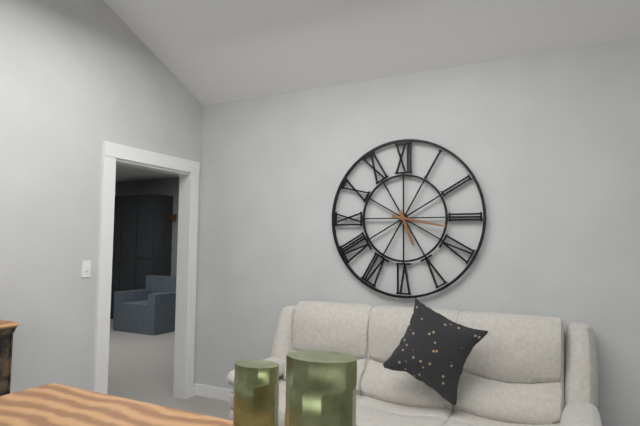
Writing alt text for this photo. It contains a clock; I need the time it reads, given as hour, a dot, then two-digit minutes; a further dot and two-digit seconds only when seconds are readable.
5.17
